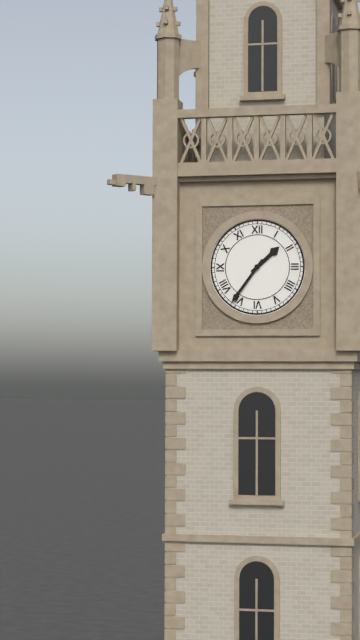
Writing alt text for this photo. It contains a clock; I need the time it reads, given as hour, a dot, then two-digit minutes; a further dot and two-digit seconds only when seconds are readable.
1.36
